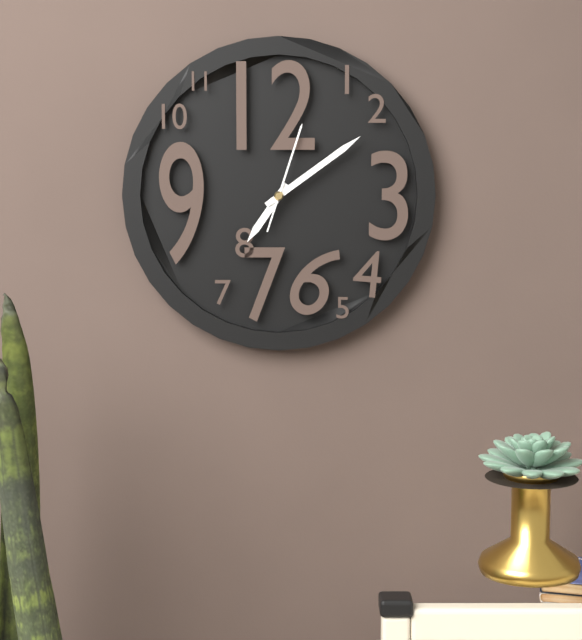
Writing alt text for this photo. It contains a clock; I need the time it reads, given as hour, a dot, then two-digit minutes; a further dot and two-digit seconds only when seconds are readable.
7.09.03
